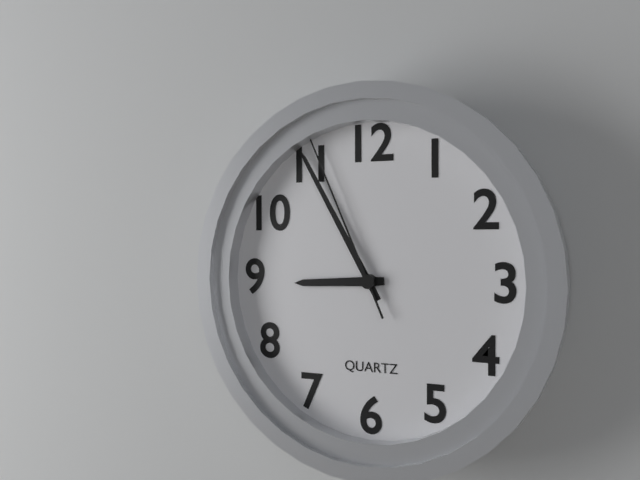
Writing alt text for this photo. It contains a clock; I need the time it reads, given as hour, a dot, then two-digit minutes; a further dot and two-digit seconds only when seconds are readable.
8.55.56
